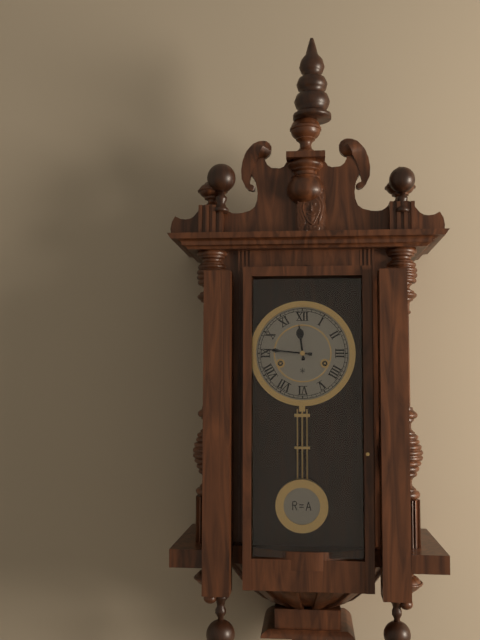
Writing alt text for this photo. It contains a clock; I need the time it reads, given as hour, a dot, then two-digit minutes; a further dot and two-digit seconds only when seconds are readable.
11.46
